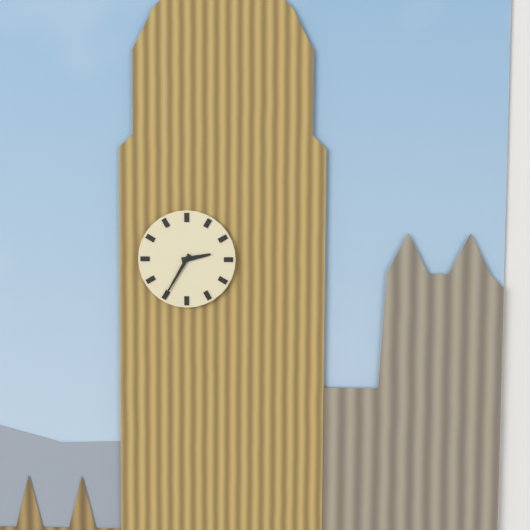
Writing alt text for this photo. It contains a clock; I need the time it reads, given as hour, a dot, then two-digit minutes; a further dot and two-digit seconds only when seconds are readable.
2.35
